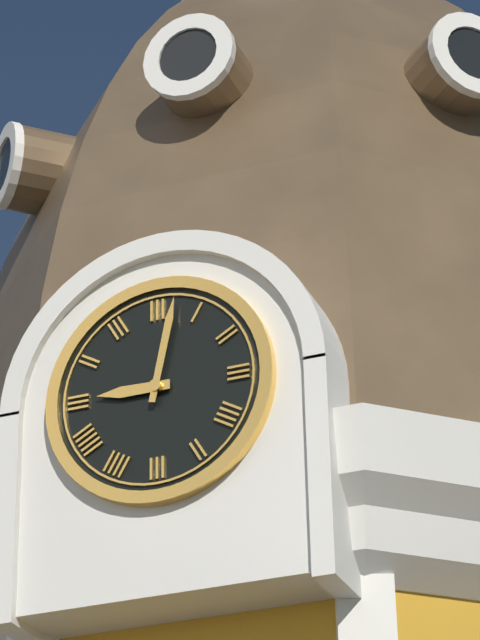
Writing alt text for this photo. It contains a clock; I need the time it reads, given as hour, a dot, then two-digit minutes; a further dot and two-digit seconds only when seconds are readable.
9.02
